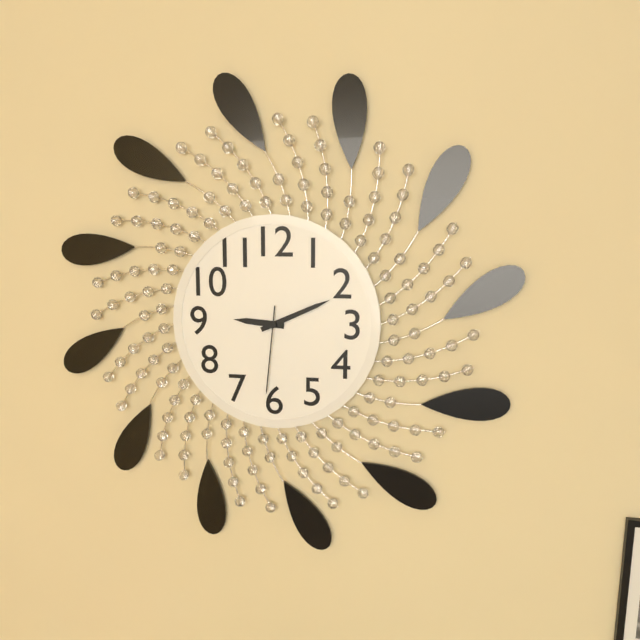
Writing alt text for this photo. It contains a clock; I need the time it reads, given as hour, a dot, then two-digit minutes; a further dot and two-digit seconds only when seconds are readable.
9.11.31
